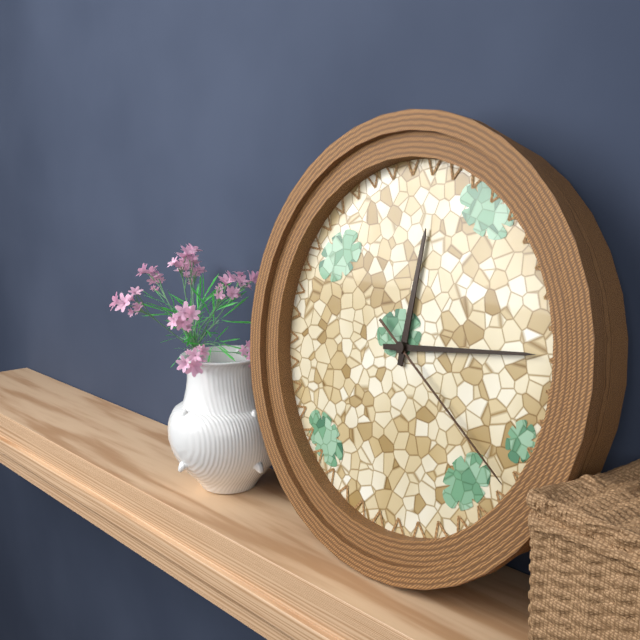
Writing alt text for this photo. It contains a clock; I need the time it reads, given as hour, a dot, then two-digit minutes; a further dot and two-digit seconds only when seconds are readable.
12.14.21
